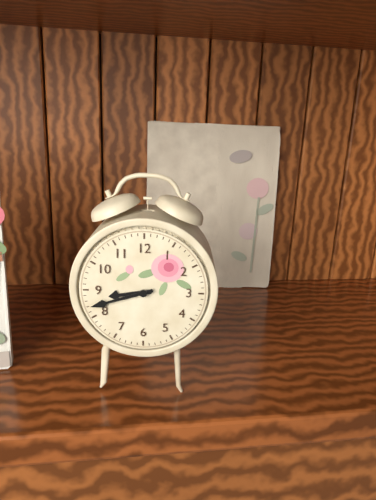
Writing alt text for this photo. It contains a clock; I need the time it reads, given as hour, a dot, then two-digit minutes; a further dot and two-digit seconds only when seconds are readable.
8.42
